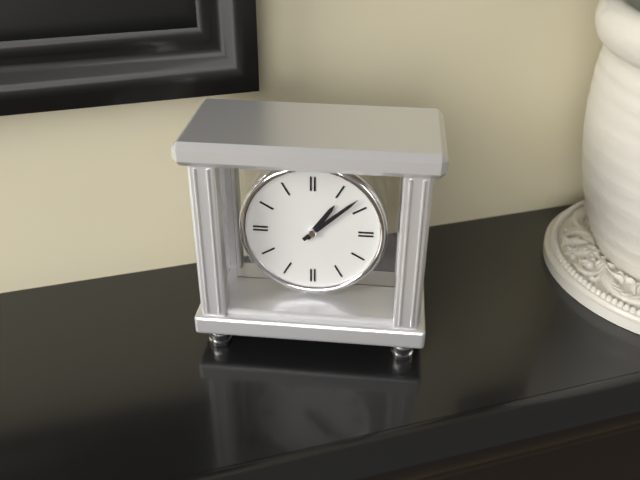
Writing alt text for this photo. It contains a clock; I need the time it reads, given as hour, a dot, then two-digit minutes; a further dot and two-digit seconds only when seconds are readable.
1.08
